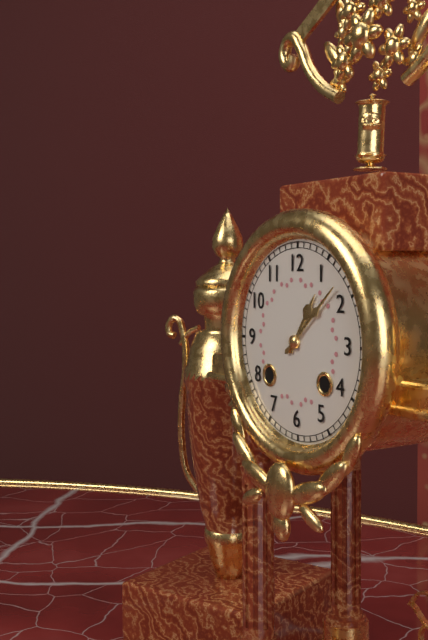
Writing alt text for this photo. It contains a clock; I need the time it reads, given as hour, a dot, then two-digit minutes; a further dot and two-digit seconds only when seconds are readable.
1.08
